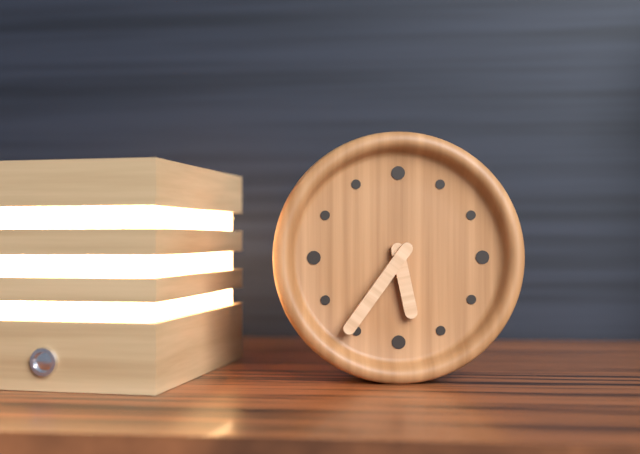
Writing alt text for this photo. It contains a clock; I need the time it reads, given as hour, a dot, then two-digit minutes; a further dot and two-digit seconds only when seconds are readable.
5.36
